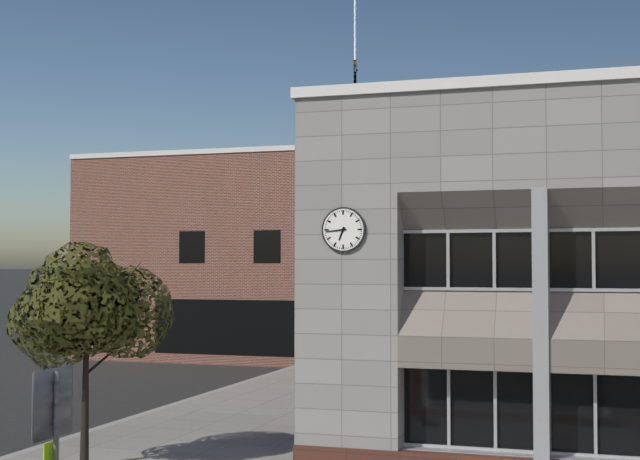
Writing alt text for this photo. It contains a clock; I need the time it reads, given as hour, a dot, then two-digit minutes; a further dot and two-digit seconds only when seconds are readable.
6.44
